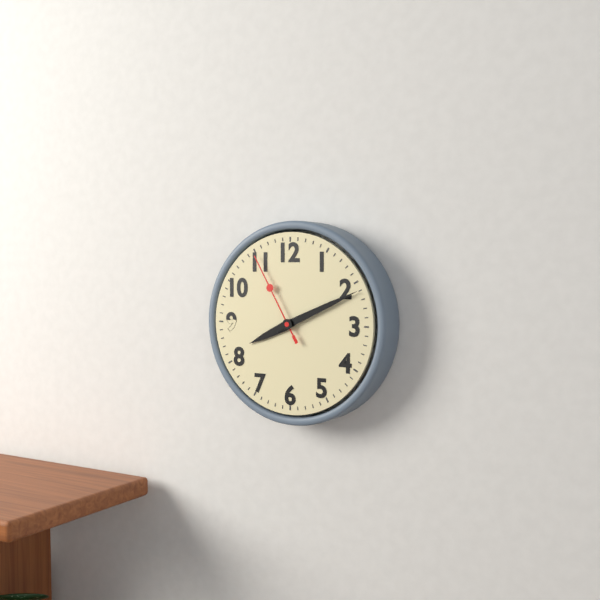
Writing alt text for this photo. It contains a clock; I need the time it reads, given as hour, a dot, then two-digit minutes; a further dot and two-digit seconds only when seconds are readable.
8.11.55
